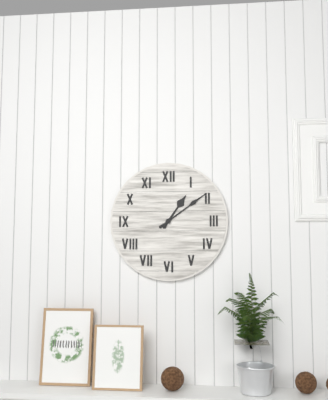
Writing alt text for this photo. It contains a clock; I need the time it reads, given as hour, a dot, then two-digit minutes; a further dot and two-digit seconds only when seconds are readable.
1.09
